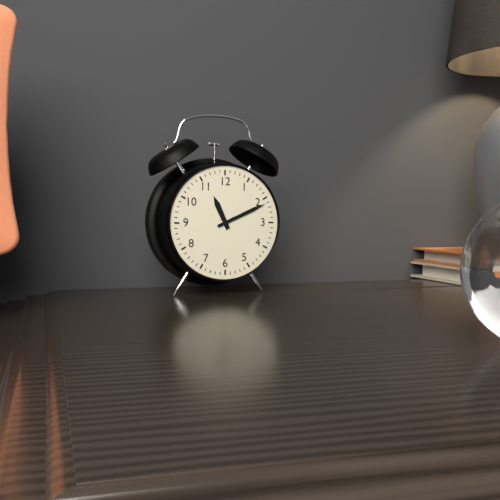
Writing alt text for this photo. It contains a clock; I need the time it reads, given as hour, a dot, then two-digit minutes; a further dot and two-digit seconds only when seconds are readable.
11.11
